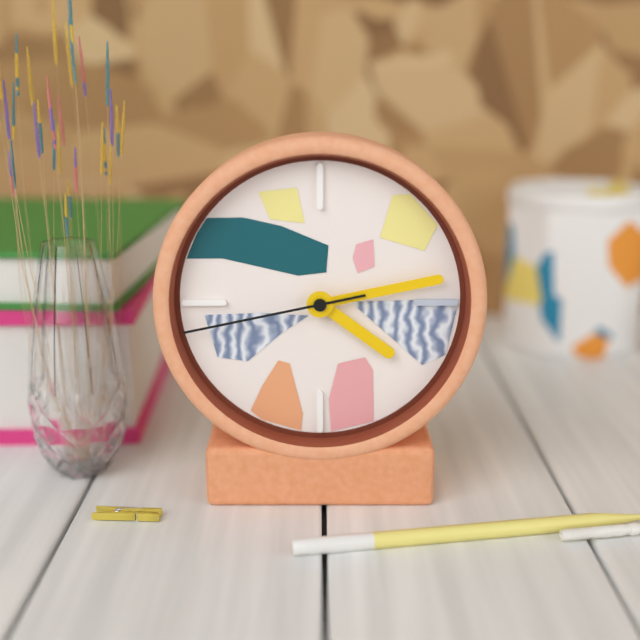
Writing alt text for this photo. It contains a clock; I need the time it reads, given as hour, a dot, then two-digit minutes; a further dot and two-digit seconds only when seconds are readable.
4.13.43
